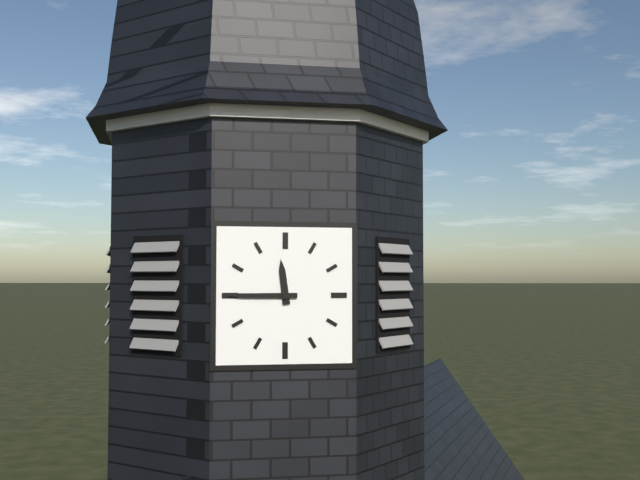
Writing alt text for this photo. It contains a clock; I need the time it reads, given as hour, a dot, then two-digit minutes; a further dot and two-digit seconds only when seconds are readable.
11.45
